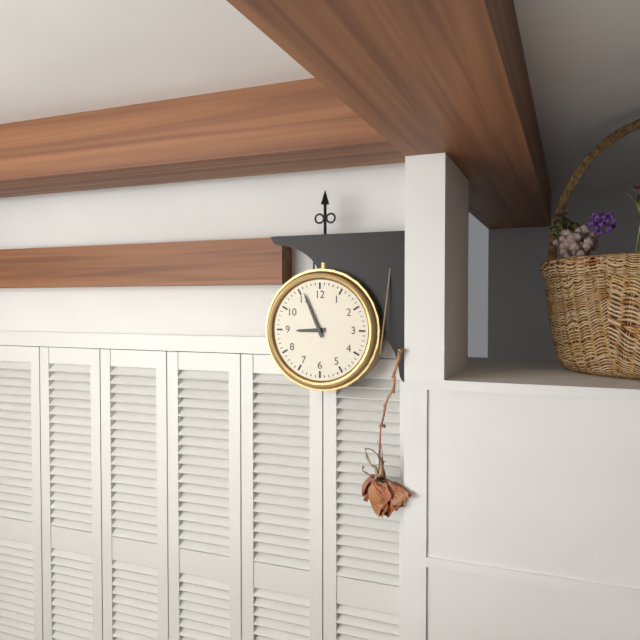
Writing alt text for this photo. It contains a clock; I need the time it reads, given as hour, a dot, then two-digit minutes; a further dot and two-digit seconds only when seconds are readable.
8.56
